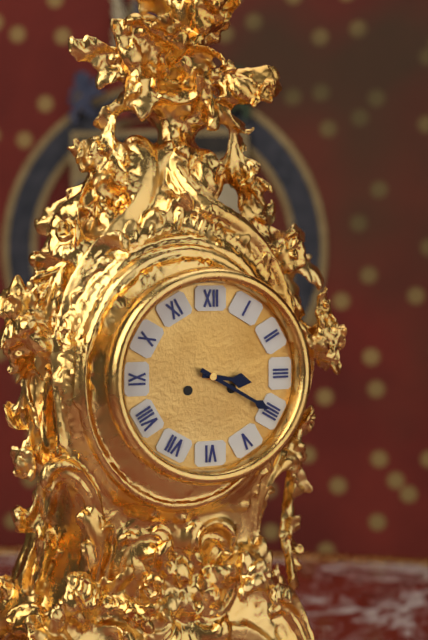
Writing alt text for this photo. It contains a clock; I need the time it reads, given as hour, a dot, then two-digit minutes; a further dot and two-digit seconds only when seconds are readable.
3.20
